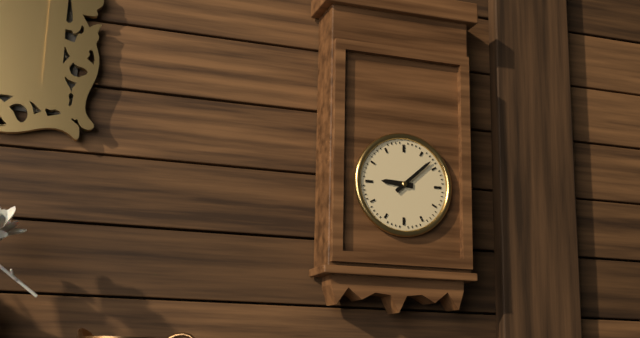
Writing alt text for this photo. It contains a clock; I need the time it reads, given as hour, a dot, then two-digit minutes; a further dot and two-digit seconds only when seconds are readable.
9.08
